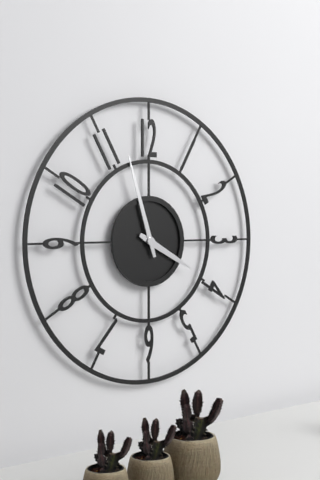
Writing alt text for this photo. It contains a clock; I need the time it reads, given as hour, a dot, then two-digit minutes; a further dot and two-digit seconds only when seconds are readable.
3.57
